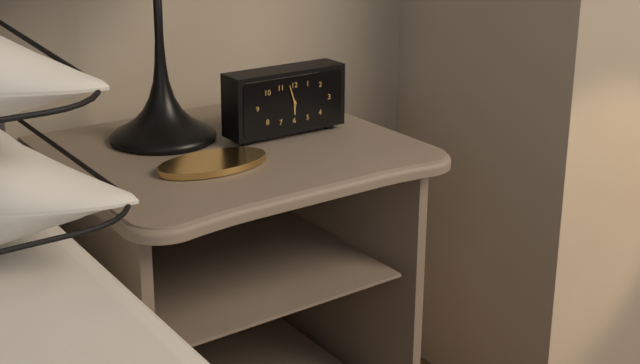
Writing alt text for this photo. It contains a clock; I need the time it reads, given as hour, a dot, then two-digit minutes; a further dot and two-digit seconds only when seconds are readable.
5.57
